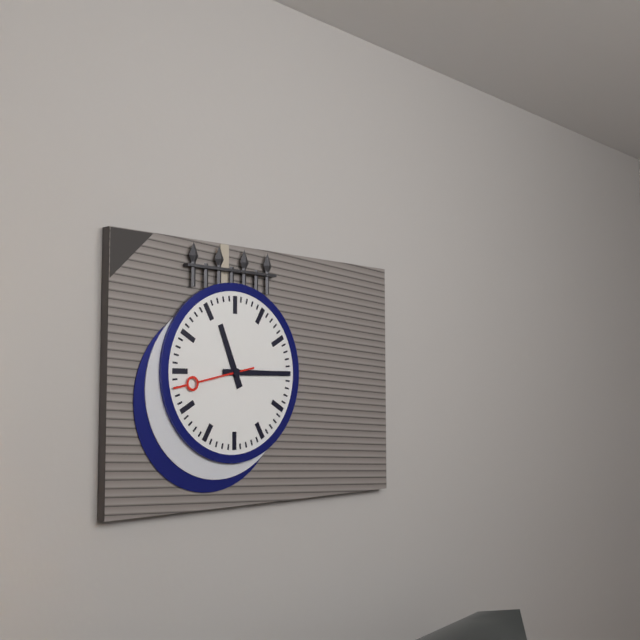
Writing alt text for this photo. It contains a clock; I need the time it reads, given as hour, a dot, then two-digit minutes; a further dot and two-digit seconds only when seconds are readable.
11.15.43
